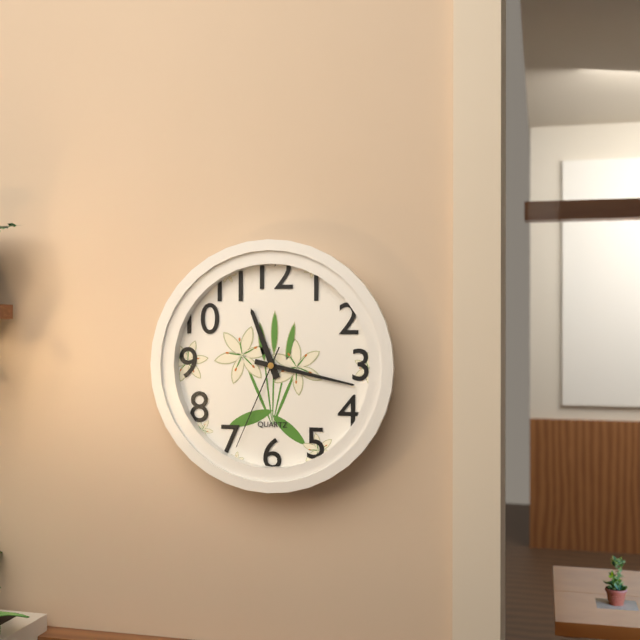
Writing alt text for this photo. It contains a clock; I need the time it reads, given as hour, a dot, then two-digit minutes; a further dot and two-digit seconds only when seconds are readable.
11.17.34
